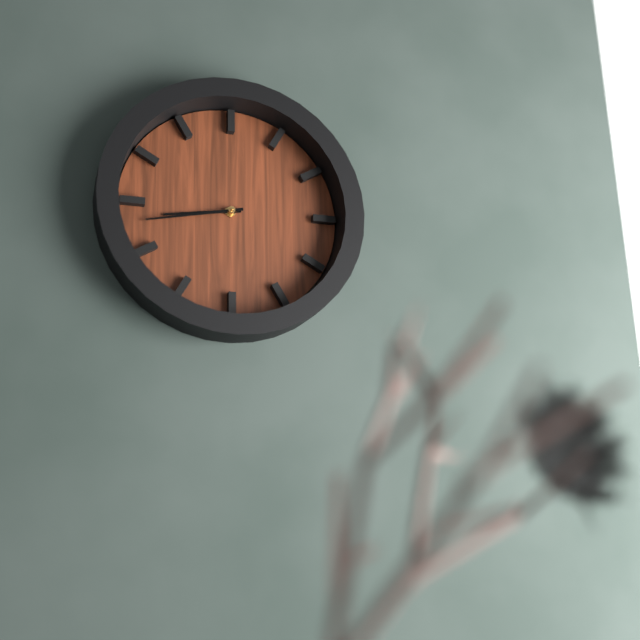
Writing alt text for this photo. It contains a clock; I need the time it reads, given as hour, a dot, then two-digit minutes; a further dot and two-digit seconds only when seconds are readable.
8.43
